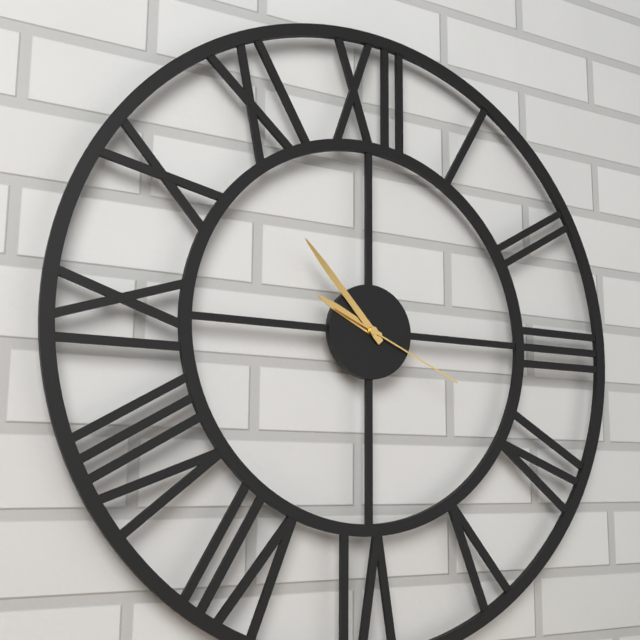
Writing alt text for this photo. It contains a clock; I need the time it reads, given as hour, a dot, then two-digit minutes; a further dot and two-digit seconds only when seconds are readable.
9.53.19
